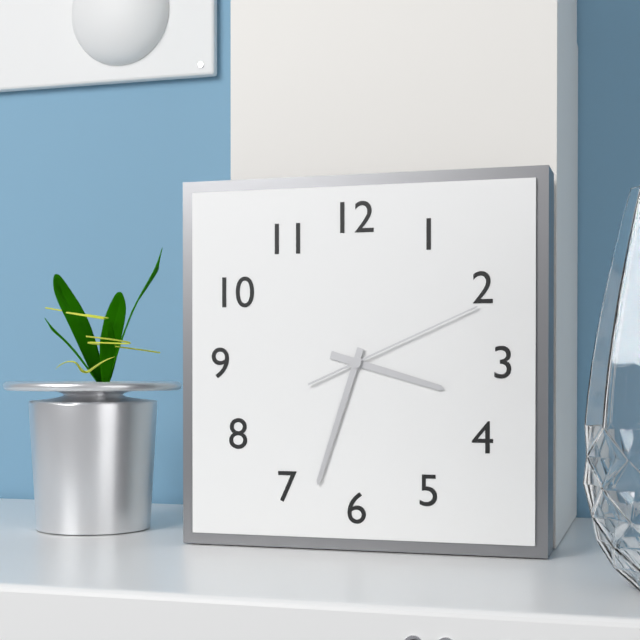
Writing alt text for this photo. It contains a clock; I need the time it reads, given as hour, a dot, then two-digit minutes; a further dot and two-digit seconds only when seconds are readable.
3.33.11
